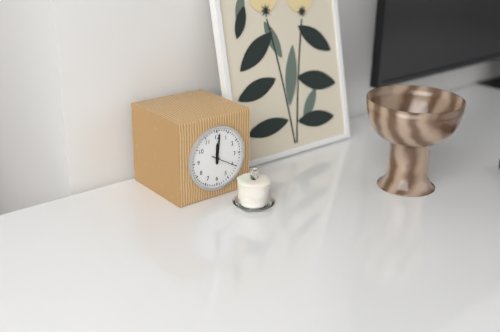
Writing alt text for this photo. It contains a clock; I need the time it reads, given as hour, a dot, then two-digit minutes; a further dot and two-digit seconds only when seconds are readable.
12.01
